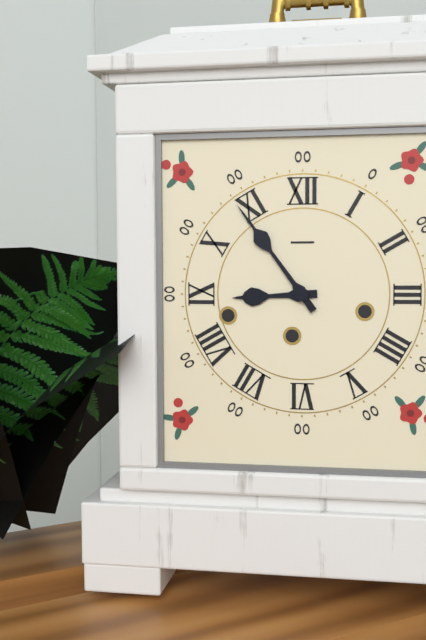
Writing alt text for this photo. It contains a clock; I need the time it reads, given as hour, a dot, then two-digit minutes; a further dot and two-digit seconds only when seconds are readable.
8.54
